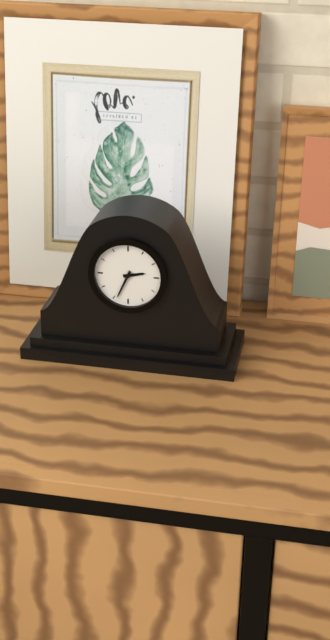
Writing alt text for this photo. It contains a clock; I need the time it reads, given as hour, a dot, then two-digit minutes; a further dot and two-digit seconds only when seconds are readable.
2.34
